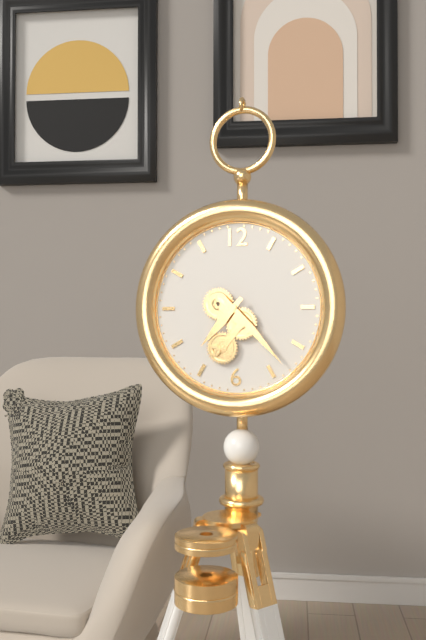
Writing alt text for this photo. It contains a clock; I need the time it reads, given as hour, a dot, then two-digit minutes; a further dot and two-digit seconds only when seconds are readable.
7.23
